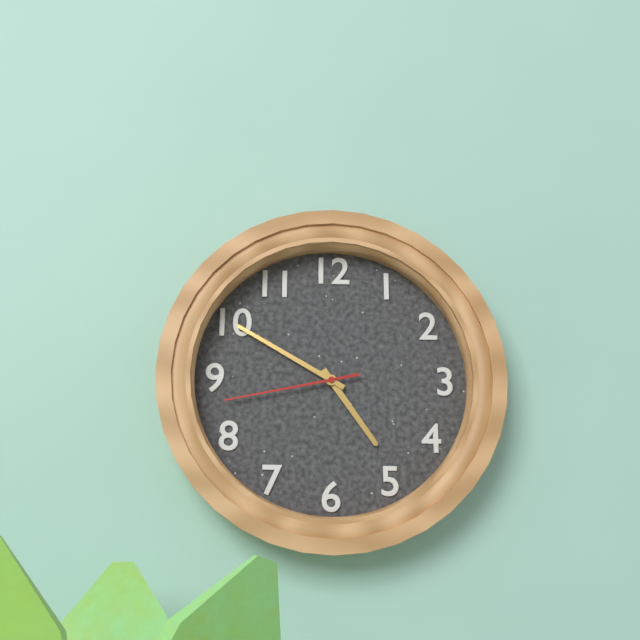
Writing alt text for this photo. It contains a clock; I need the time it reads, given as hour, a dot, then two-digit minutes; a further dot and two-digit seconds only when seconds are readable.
4.50.43
